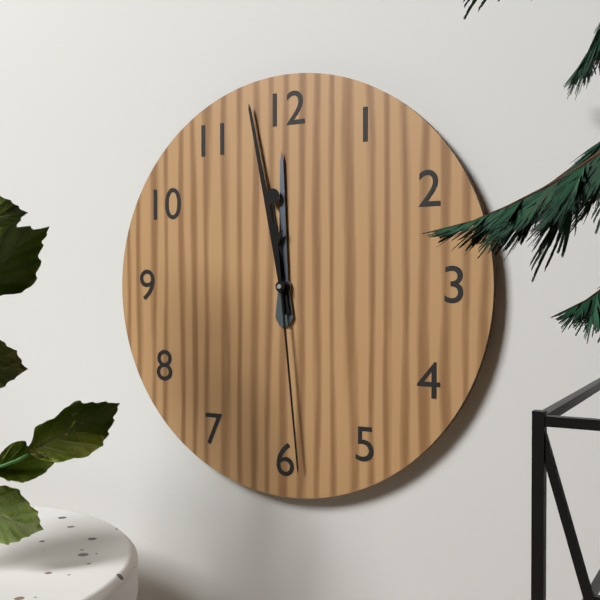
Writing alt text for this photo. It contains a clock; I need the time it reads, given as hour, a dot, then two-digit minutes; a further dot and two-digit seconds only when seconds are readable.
11.58.29
